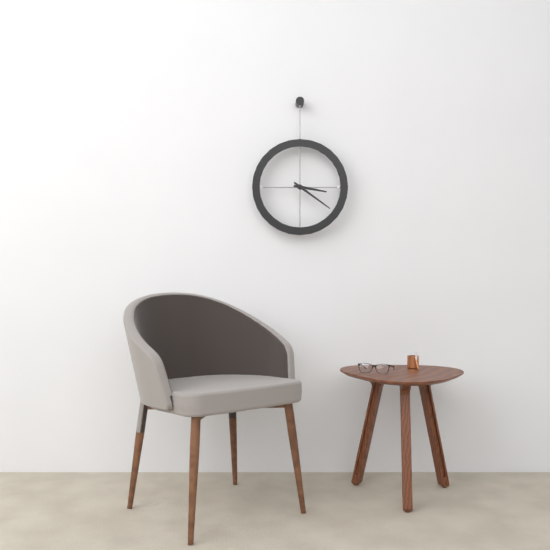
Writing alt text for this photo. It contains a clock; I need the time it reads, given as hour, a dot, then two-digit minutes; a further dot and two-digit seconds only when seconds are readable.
3.21
